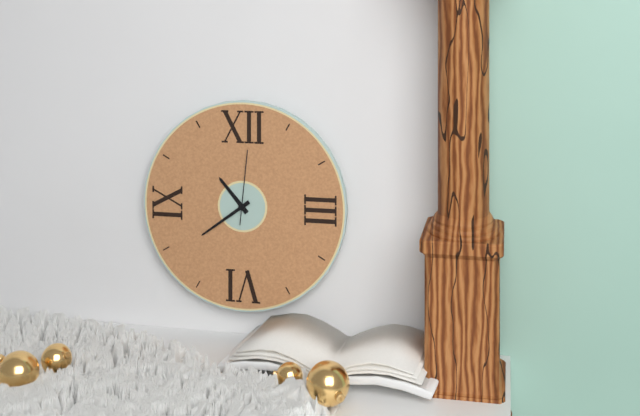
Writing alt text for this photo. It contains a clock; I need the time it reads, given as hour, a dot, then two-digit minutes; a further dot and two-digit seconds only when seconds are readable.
10.39.01
